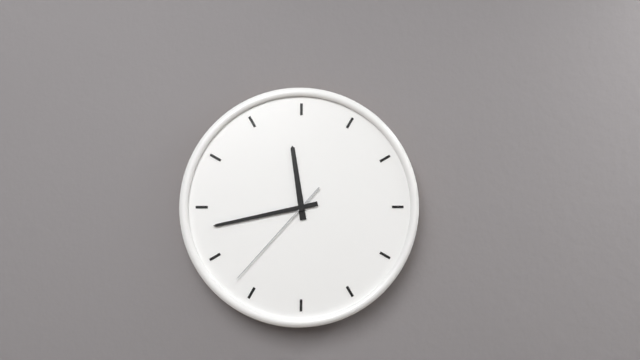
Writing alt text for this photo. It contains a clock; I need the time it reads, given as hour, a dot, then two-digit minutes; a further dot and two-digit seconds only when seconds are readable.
11.43.37
